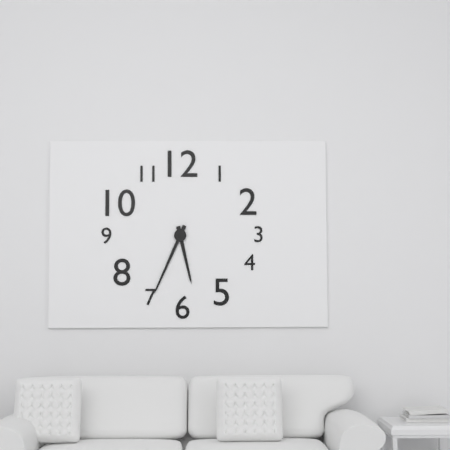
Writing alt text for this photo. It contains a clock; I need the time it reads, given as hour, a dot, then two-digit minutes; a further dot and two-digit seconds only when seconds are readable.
5.34
